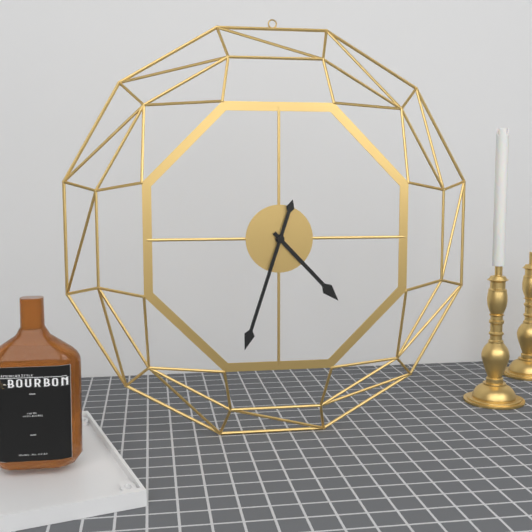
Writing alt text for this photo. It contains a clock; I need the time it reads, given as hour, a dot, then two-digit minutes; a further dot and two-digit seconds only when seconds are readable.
4.33
